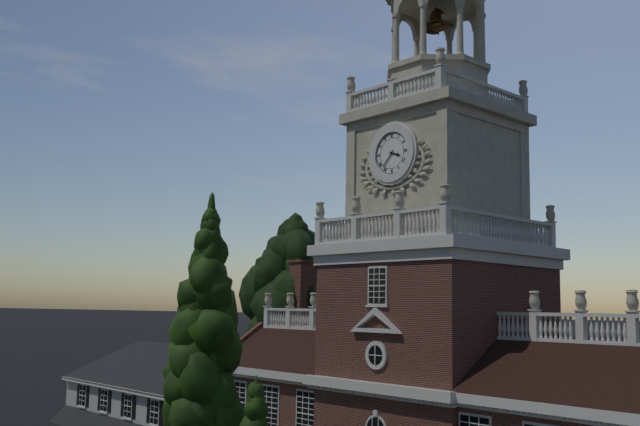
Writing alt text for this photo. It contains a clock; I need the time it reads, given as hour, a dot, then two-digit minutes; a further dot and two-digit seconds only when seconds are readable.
3.37
